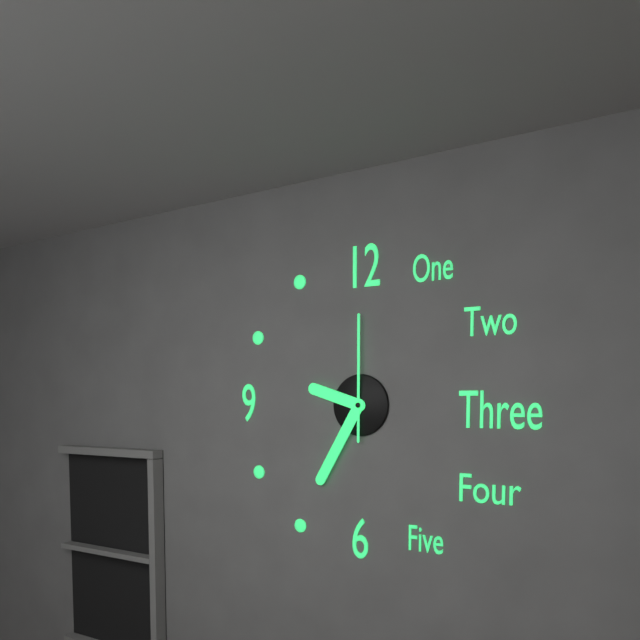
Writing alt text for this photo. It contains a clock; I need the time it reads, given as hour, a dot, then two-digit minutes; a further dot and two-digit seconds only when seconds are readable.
9.35.00
